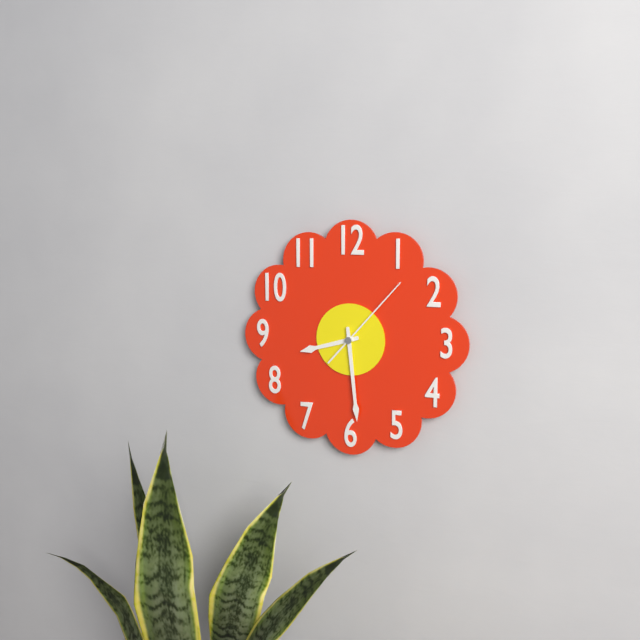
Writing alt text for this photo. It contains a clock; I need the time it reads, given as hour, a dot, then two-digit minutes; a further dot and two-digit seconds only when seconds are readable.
8.29.07
